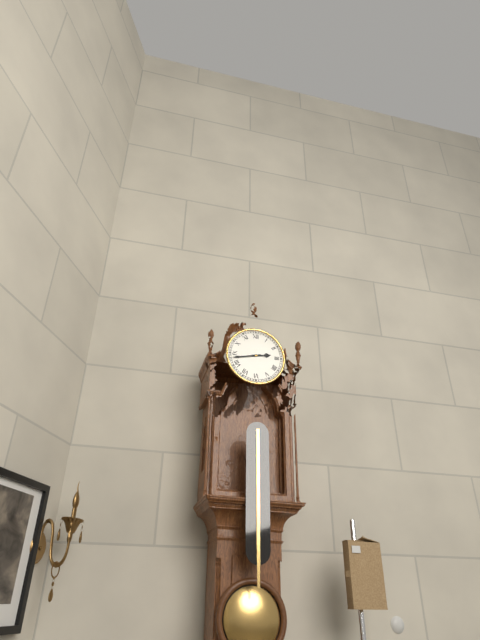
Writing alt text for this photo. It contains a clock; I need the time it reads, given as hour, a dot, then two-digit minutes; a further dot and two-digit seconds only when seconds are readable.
2.43
